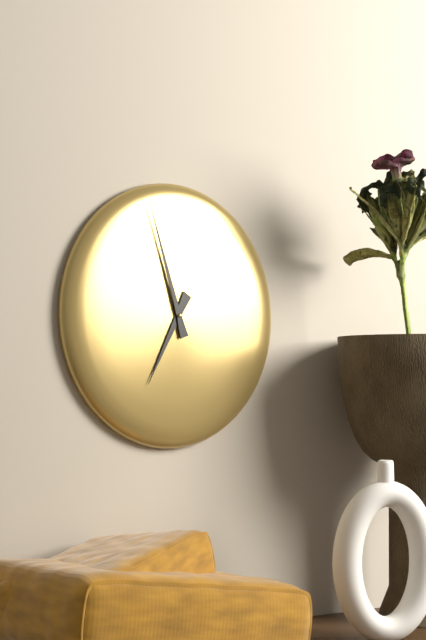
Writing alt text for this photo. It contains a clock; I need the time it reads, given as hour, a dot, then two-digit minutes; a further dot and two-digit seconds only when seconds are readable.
6.57
